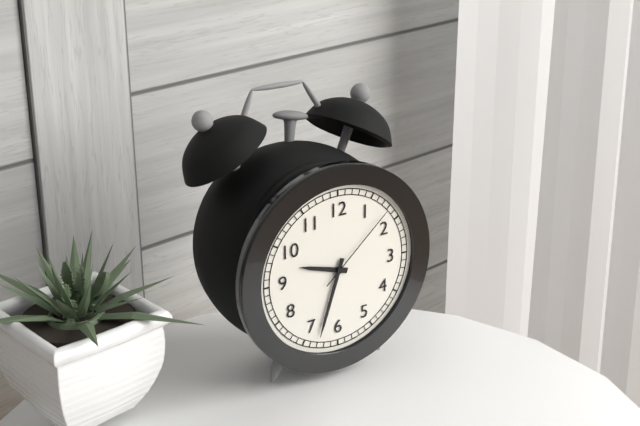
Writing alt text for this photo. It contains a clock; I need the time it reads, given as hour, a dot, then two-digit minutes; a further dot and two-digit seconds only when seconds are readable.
9.33.08
